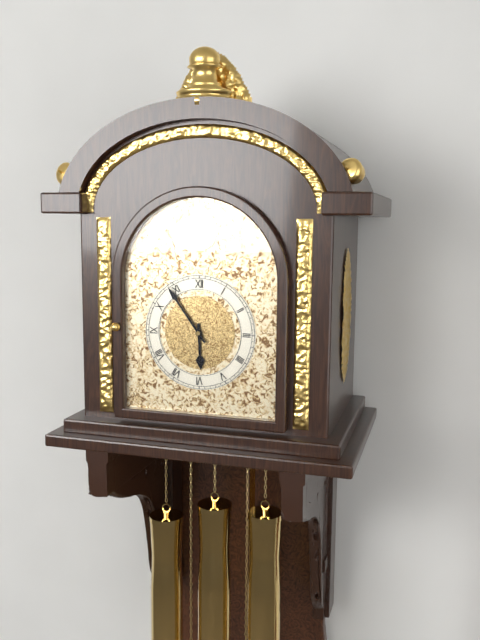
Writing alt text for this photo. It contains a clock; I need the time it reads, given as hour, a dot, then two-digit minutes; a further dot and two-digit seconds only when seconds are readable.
5.54
